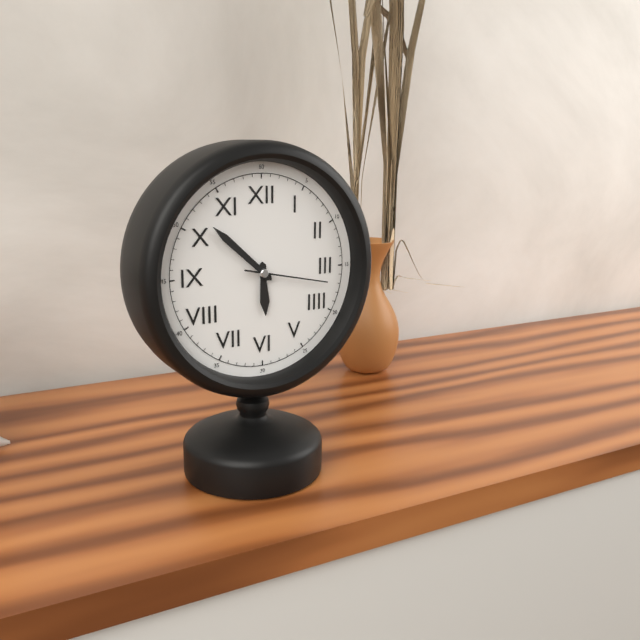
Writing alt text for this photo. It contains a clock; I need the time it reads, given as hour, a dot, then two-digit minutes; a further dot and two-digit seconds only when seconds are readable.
5.52.17
